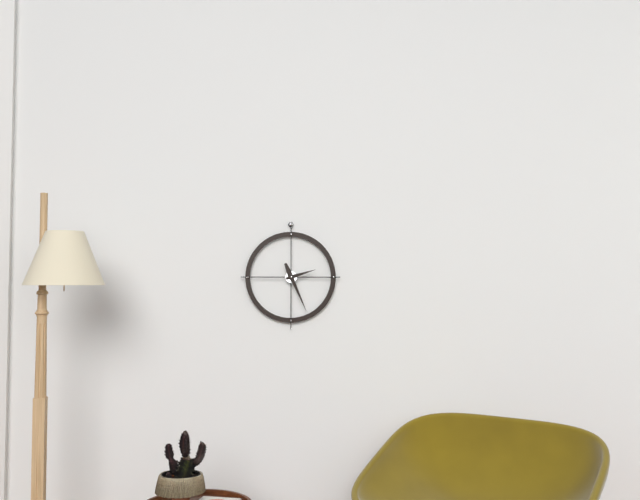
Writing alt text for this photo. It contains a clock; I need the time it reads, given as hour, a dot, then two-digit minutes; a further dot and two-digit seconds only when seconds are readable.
2.26
